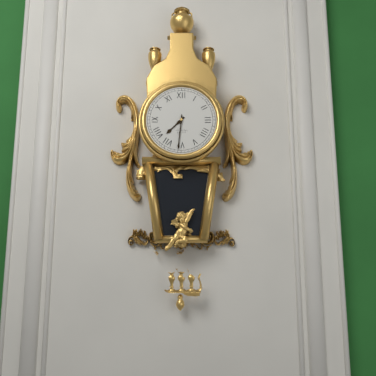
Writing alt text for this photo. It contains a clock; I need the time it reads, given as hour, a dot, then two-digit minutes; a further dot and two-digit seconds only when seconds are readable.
7.31
